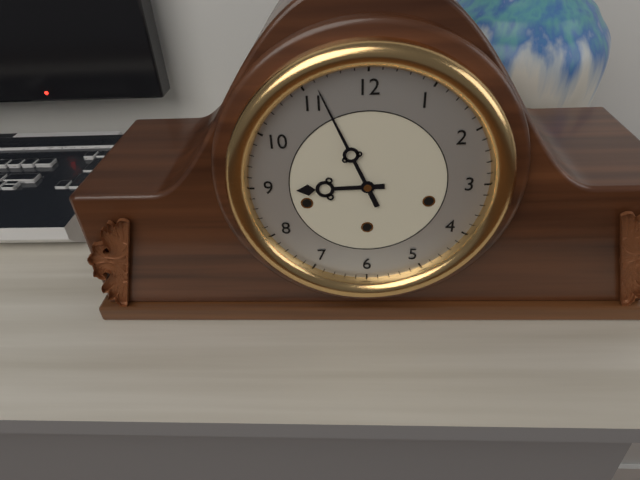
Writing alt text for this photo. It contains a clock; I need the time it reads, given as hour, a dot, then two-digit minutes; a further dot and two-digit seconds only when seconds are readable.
8.56
